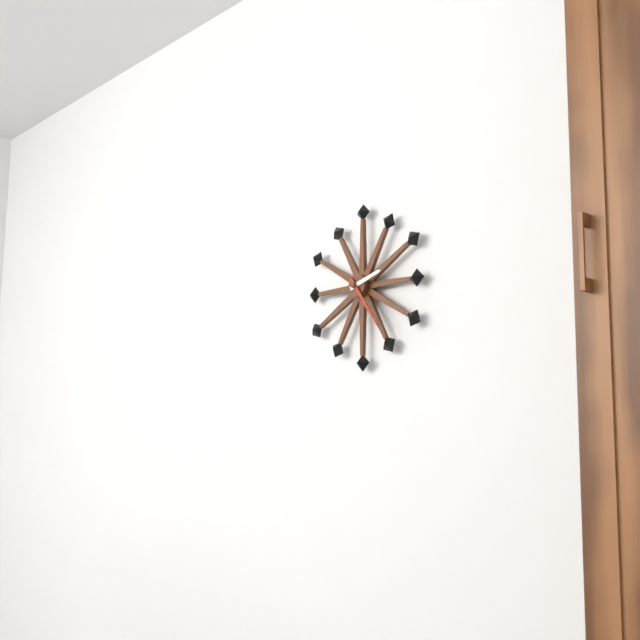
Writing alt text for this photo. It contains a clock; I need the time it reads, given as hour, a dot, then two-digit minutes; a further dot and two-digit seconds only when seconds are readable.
2.24
